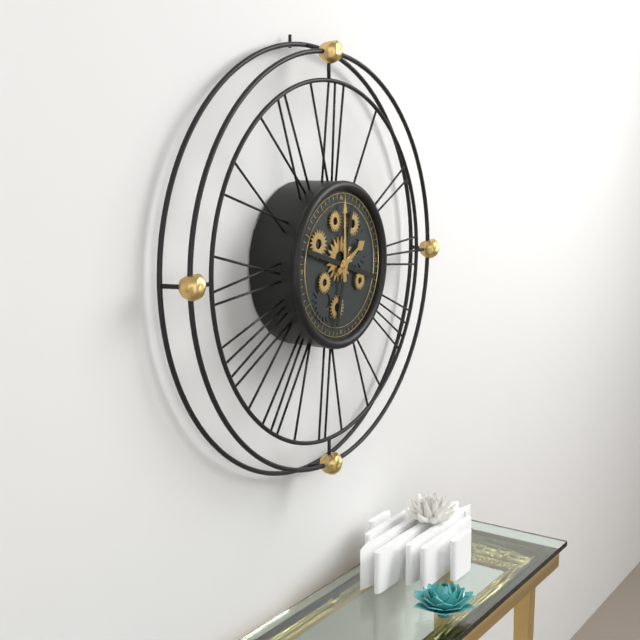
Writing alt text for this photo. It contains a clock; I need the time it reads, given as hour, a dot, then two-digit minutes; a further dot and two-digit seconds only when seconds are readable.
2.00
